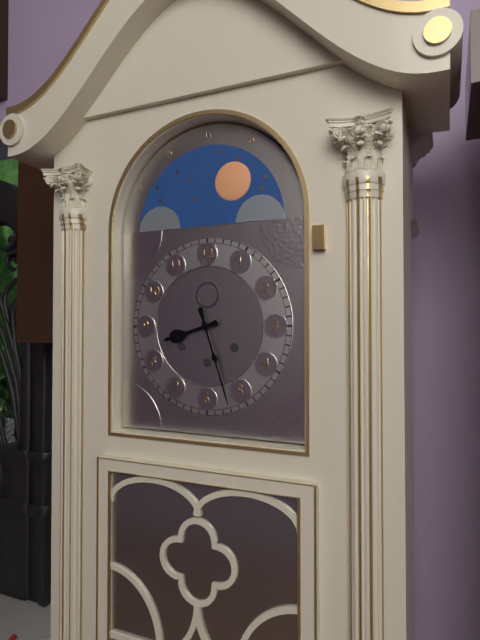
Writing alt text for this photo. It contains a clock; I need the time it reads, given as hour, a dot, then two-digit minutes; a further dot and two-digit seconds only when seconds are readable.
8.27
